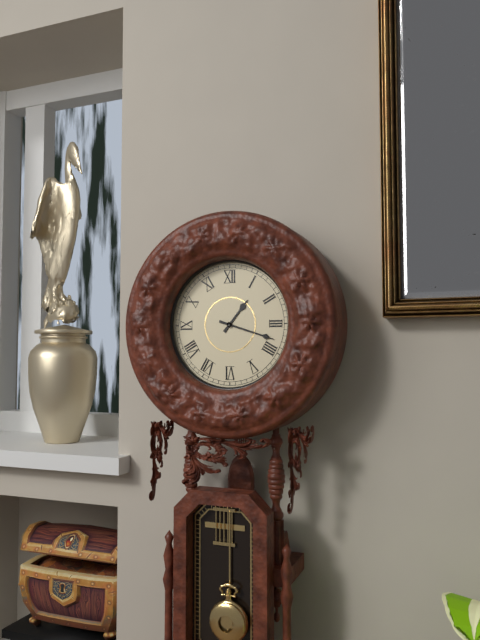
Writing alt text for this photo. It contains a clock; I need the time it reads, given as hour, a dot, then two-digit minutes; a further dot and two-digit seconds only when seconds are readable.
1.18
